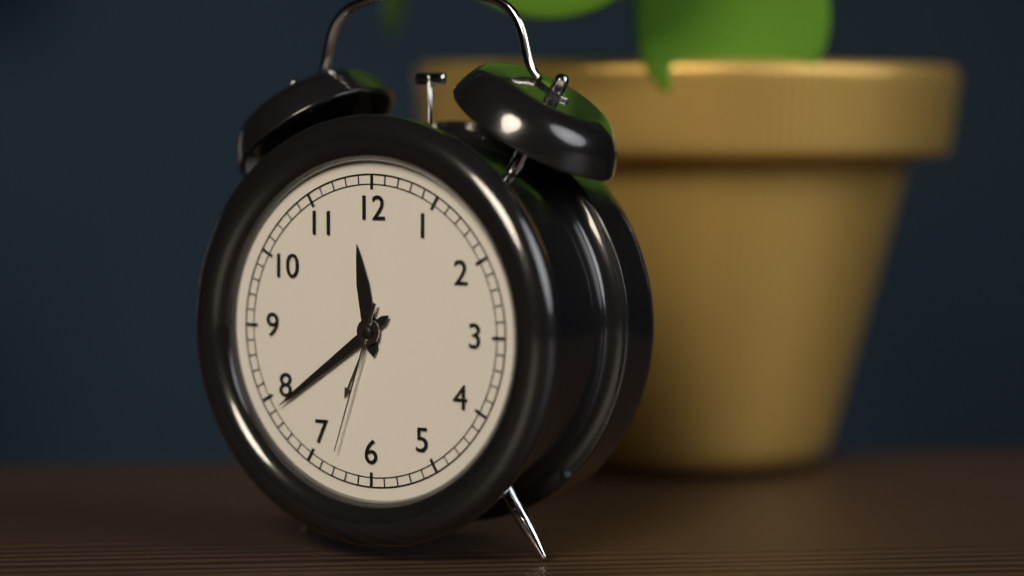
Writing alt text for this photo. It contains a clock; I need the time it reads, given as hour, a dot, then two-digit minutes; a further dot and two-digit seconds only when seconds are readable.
11.39.33
